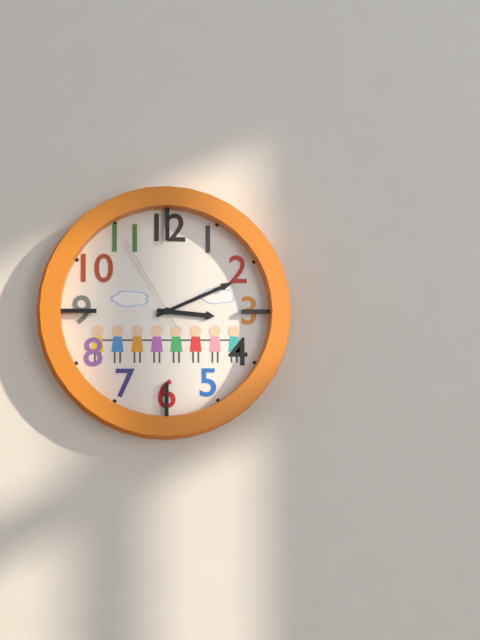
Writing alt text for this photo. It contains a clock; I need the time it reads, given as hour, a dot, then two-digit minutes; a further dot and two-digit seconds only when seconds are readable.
3.11.55
